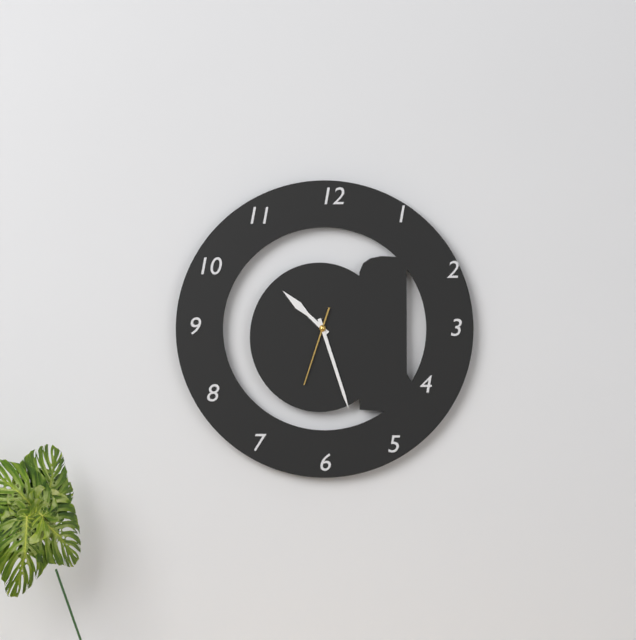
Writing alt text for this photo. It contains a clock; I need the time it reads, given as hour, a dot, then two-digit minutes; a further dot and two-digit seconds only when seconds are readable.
10.27.33
